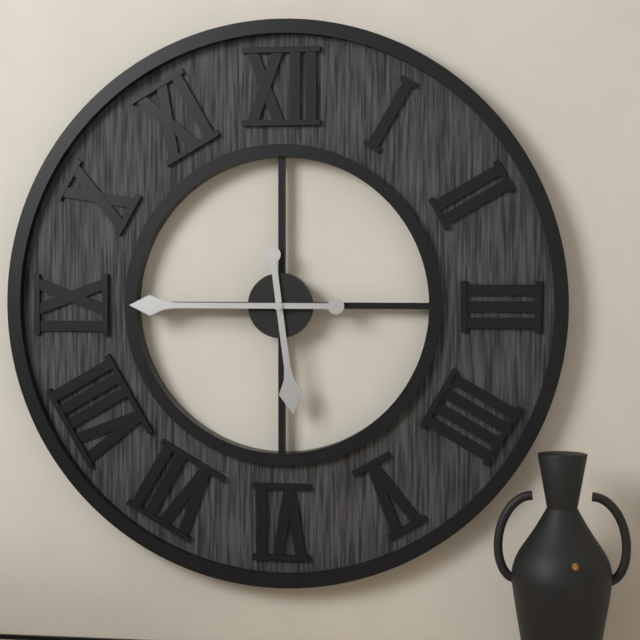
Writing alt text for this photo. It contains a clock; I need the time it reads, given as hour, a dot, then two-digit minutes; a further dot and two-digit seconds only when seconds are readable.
5.45
